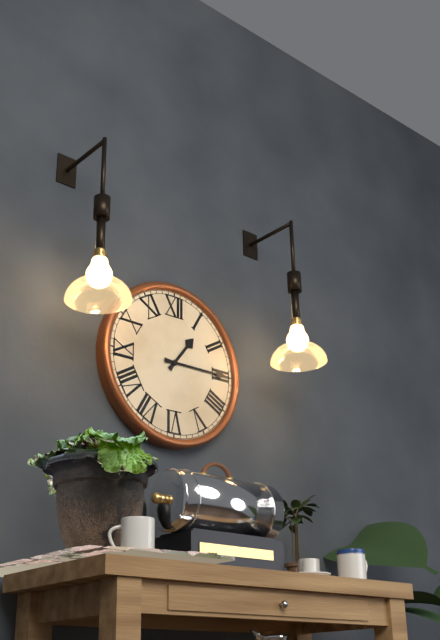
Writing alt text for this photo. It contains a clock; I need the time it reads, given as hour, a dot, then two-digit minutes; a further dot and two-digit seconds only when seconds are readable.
1.15
